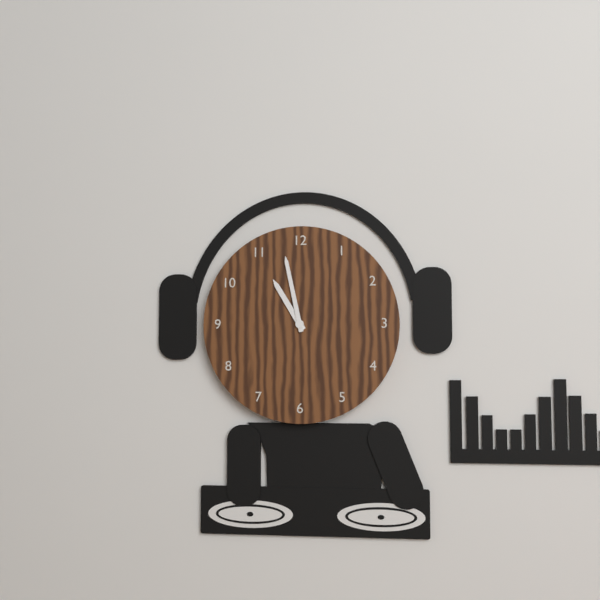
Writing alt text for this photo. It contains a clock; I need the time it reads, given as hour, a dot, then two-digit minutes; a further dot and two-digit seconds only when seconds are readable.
10.58
